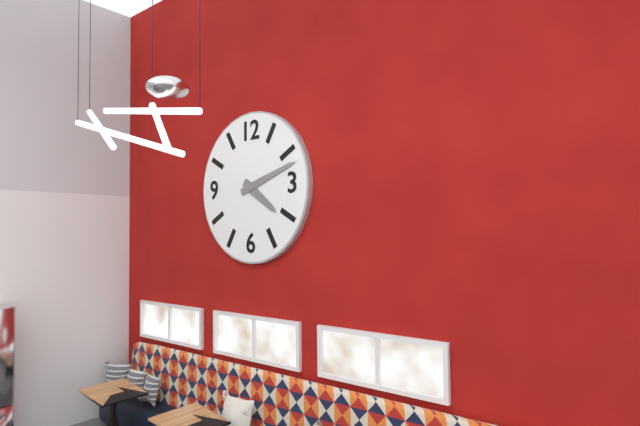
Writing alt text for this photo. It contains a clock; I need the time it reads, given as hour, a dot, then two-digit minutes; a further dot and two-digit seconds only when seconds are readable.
4.12
